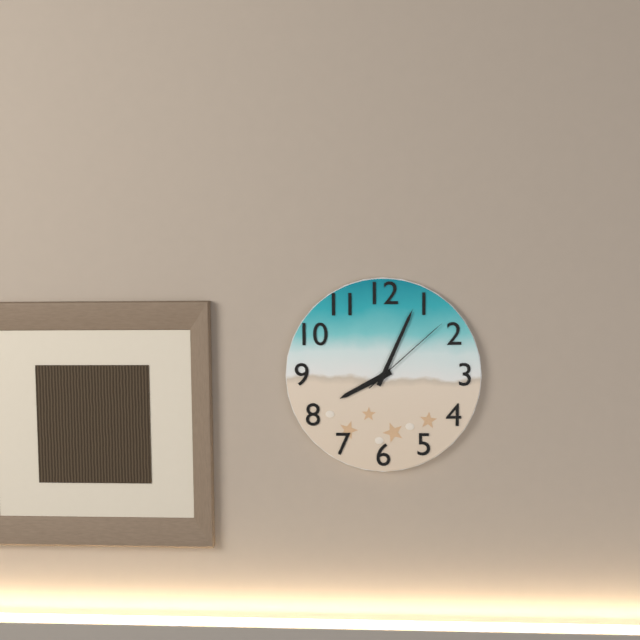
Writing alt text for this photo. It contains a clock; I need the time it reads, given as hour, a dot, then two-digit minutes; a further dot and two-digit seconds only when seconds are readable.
8.04.08
